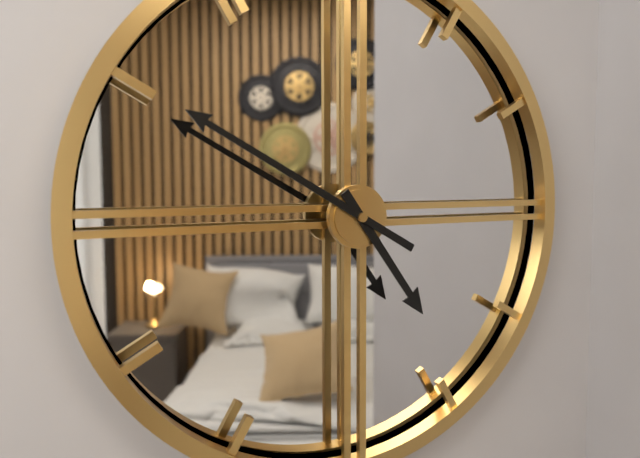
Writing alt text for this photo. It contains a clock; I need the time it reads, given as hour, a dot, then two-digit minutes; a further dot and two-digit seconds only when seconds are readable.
4.50
